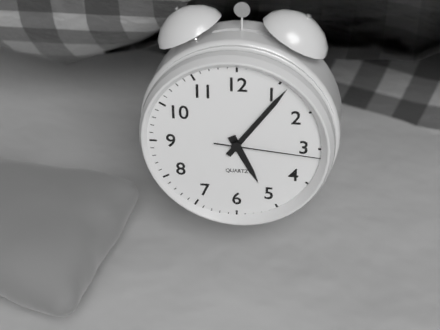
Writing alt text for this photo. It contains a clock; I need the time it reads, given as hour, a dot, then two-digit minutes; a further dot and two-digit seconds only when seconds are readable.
5.06.16
